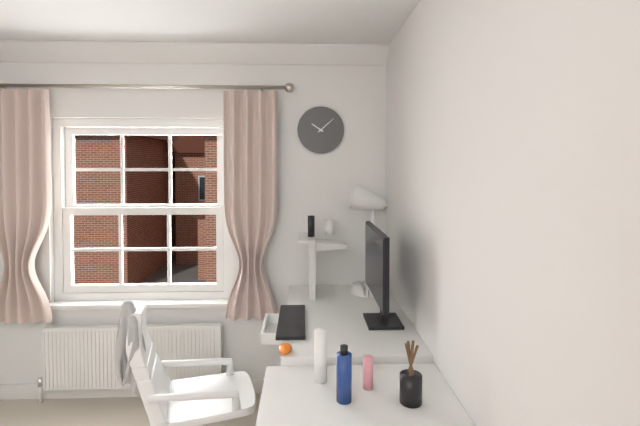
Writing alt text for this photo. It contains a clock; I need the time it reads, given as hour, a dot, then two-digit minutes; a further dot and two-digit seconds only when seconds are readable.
10.08
